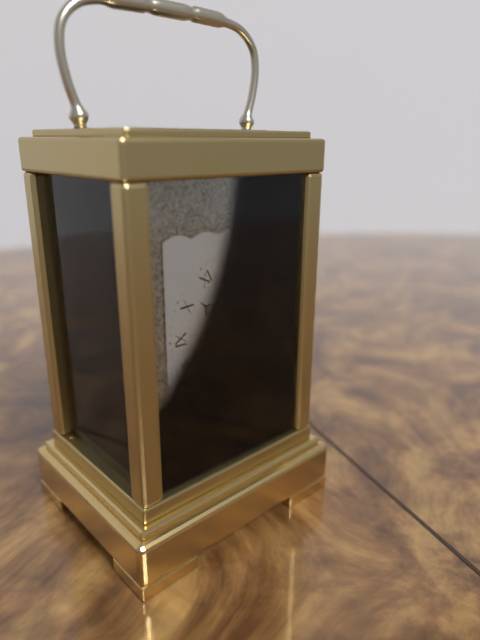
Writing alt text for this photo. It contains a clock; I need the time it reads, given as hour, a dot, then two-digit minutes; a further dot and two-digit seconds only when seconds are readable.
10.20
